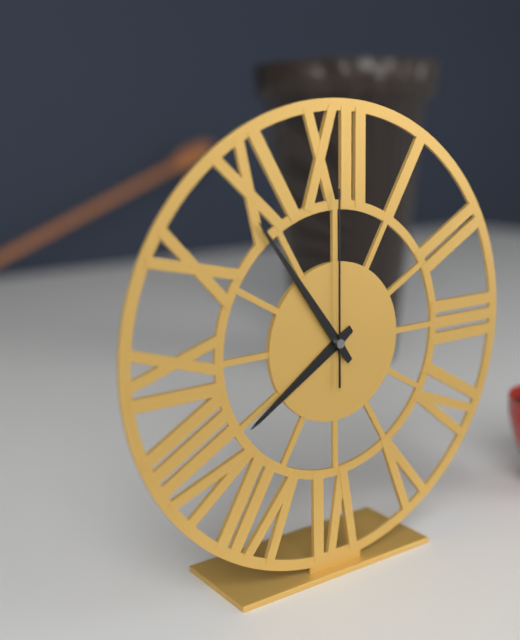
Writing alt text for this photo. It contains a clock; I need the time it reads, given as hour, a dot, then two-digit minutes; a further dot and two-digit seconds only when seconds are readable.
7.54.00
